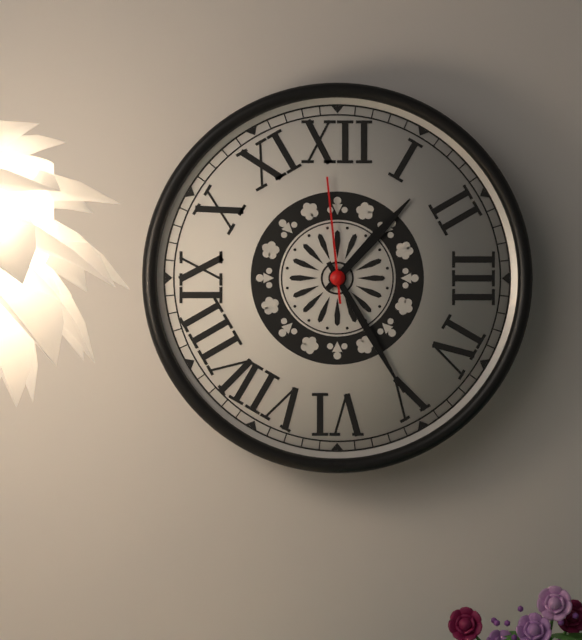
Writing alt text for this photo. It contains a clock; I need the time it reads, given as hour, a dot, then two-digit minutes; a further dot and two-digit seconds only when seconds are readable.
1.25.59
